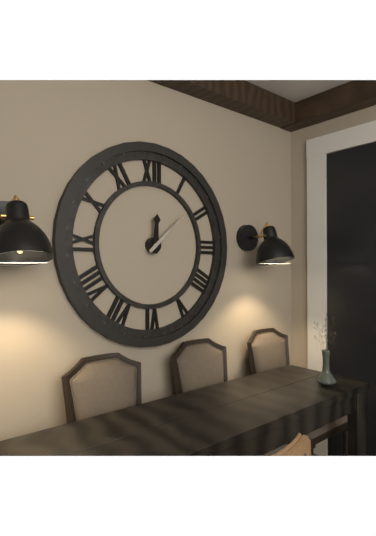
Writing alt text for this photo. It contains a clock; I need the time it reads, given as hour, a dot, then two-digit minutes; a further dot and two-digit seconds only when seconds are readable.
12.08
